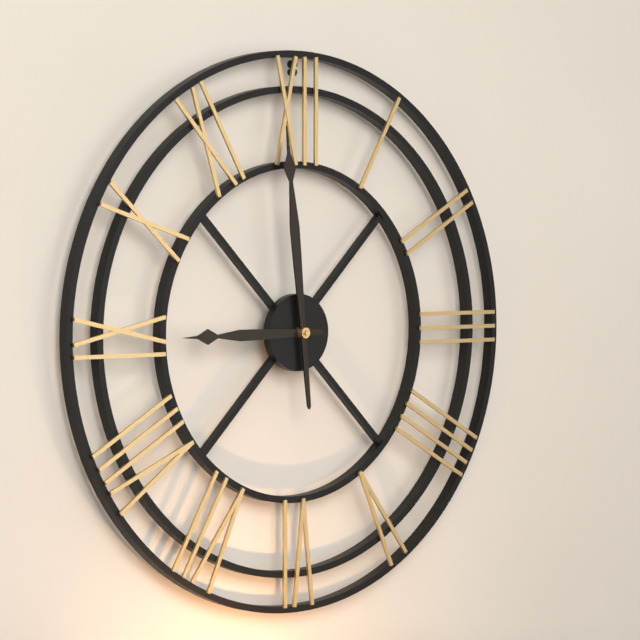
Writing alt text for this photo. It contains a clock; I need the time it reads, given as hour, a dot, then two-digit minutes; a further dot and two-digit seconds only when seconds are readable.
8.59
